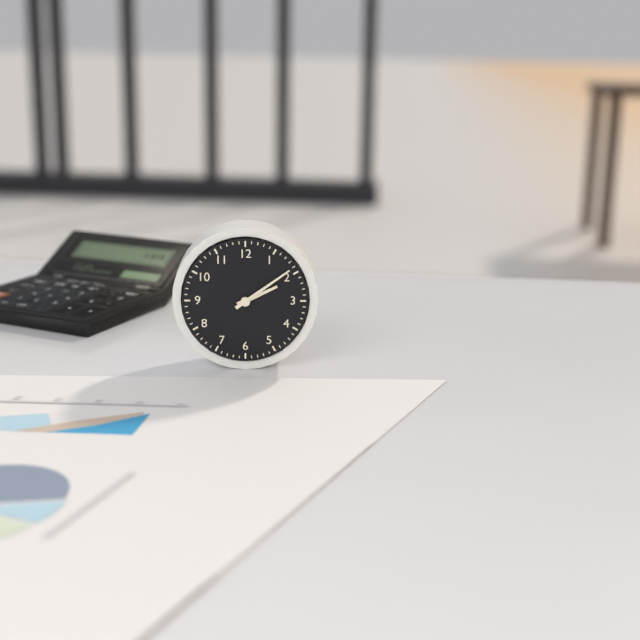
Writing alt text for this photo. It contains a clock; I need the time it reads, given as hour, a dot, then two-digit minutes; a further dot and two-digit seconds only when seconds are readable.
2.09
